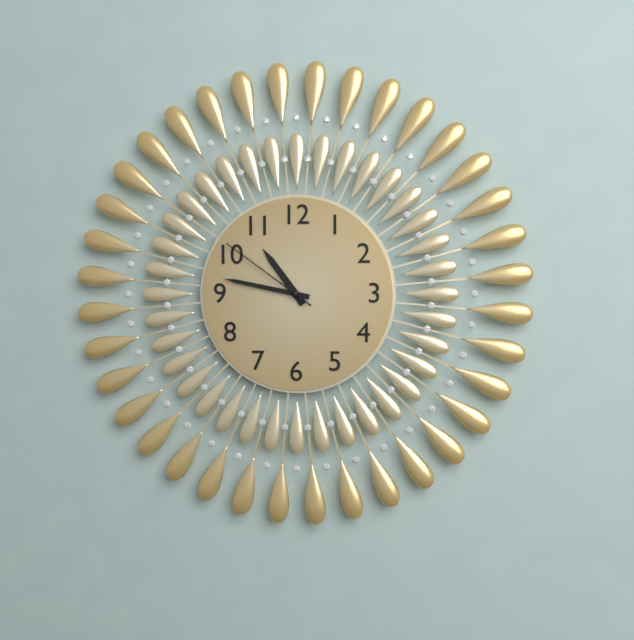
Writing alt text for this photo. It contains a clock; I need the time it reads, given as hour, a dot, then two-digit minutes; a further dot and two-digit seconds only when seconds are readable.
10.47.51
